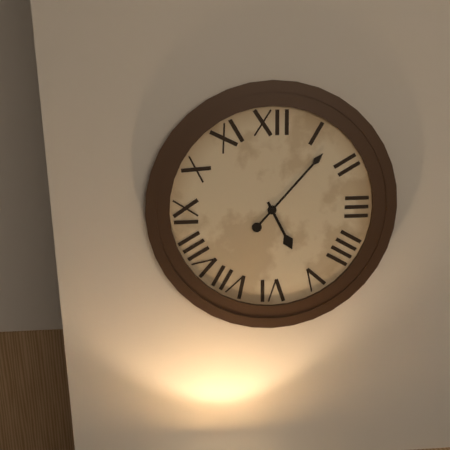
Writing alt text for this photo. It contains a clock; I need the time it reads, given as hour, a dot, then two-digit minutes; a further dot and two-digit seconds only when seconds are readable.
5.07
